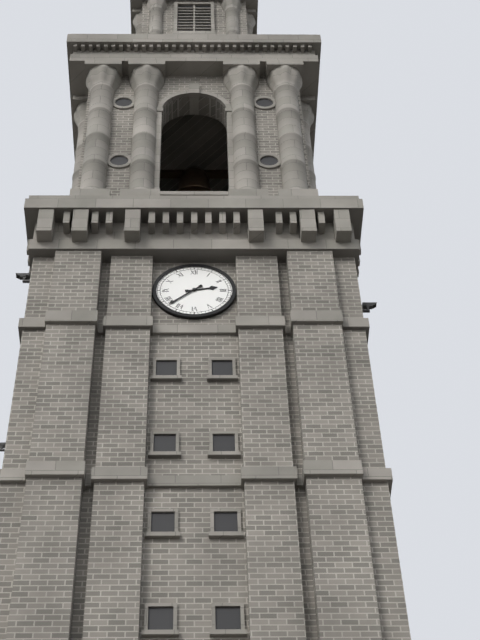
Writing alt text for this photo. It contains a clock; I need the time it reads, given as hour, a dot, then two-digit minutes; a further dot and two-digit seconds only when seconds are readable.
2.38
